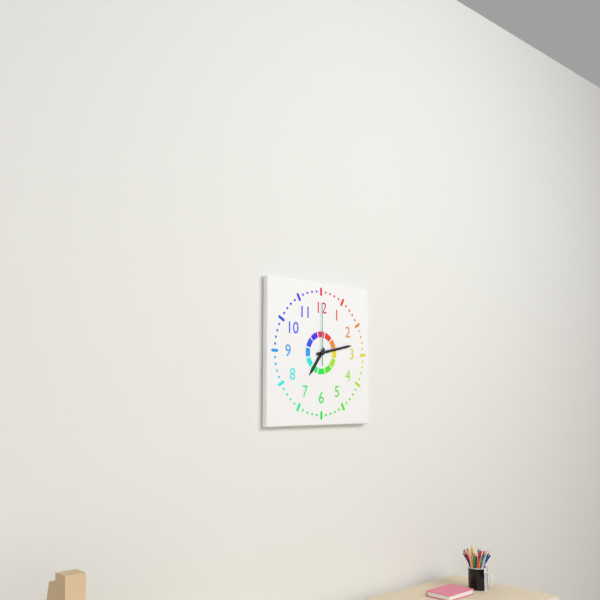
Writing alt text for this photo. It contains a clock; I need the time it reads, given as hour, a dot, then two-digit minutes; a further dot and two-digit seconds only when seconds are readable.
7.13.00
